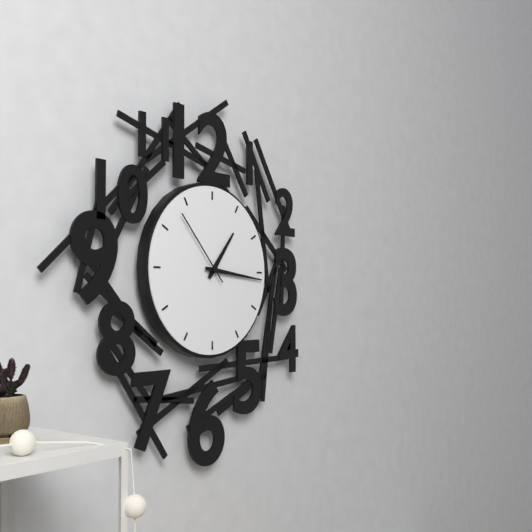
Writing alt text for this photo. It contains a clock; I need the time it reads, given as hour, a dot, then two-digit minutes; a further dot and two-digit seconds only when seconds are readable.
1.16.53
